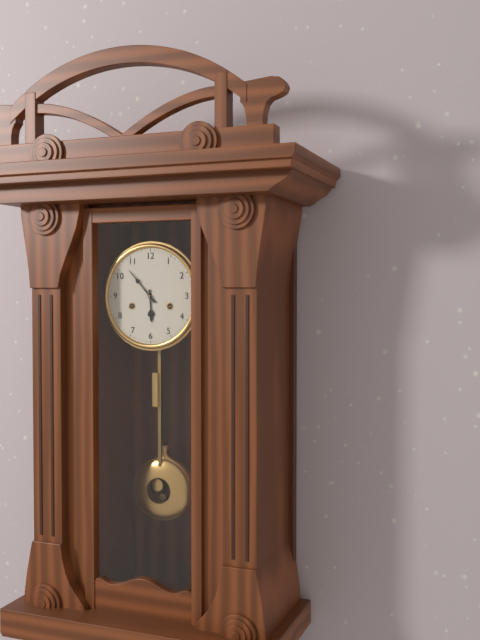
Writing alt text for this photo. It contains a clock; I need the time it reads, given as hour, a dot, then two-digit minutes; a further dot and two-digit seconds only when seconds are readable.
5.53
